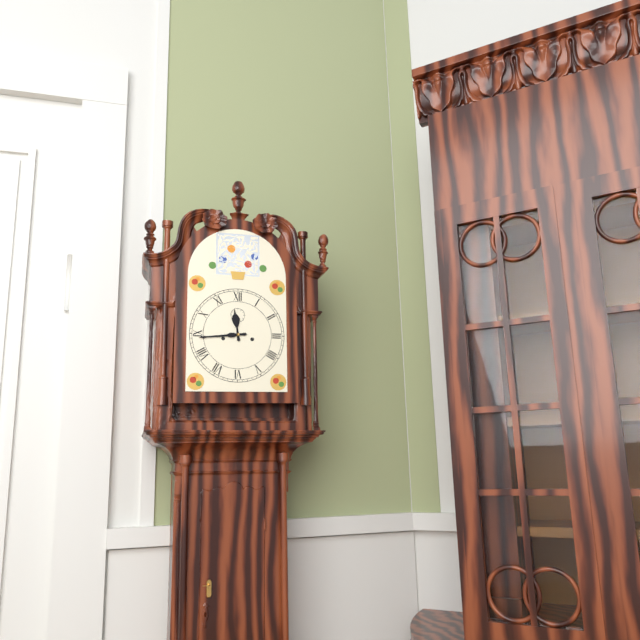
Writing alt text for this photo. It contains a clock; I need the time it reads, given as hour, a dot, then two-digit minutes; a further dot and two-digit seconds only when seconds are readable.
11.44
